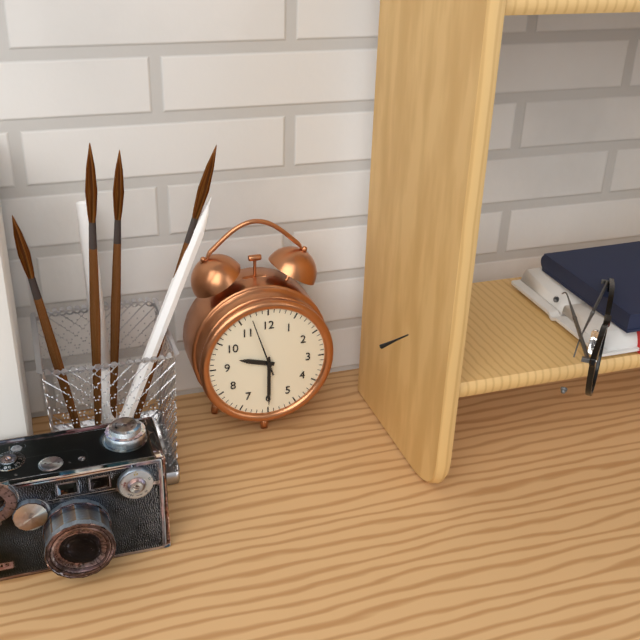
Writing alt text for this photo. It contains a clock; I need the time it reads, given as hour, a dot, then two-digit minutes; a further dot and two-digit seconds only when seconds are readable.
9.30.57
